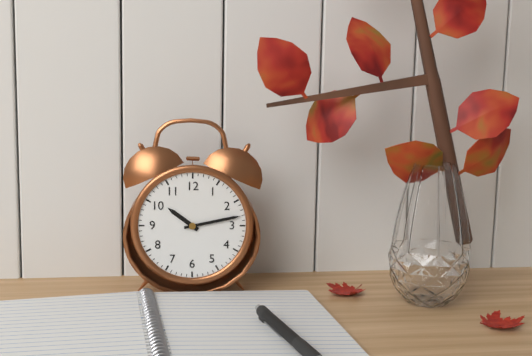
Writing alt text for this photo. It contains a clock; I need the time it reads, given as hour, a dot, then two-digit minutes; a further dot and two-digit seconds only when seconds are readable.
10.13
